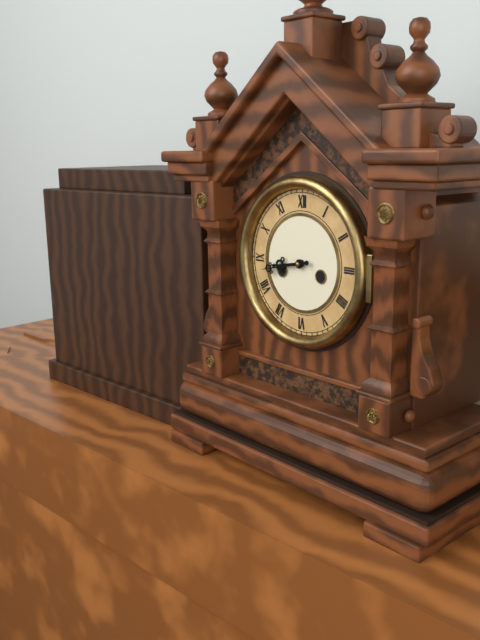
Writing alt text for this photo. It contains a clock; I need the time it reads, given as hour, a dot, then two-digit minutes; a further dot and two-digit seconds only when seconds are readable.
8.43
